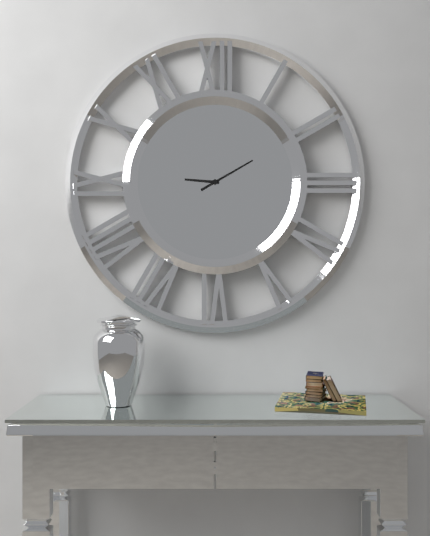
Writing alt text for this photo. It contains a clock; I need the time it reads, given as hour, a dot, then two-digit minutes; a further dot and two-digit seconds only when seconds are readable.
9.10
